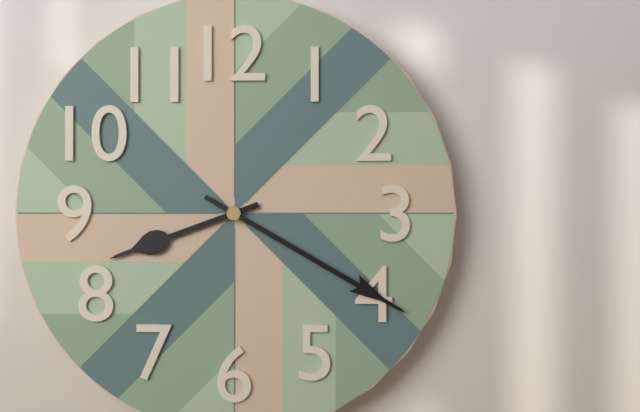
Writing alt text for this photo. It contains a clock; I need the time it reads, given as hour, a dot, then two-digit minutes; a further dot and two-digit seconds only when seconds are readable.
8.20
